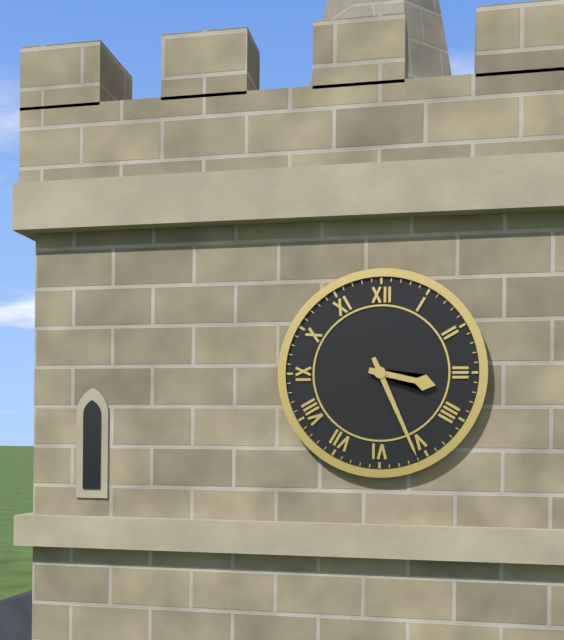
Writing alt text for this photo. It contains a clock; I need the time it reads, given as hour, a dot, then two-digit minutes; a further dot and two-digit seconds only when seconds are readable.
3.26
